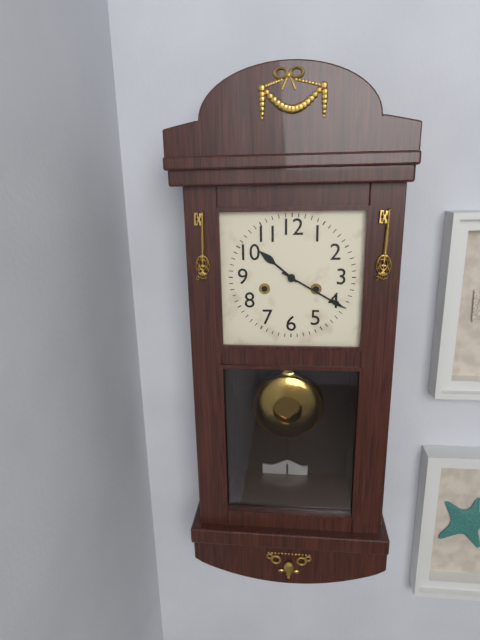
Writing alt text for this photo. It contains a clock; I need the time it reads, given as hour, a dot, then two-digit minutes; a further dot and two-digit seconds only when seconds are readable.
10.20
